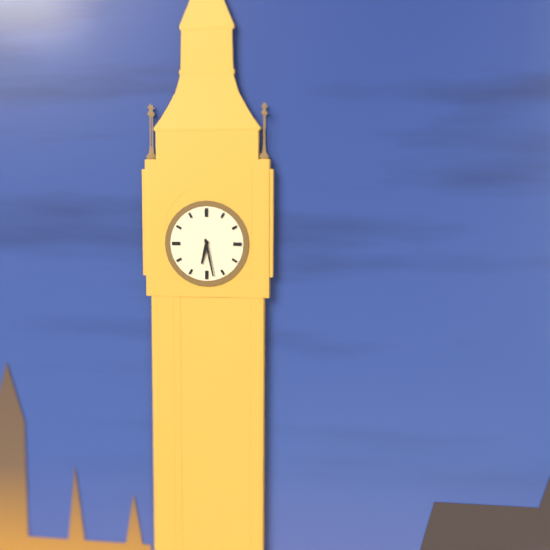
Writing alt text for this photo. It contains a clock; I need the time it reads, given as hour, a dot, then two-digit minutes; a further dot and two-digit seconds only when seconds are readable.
6.28
